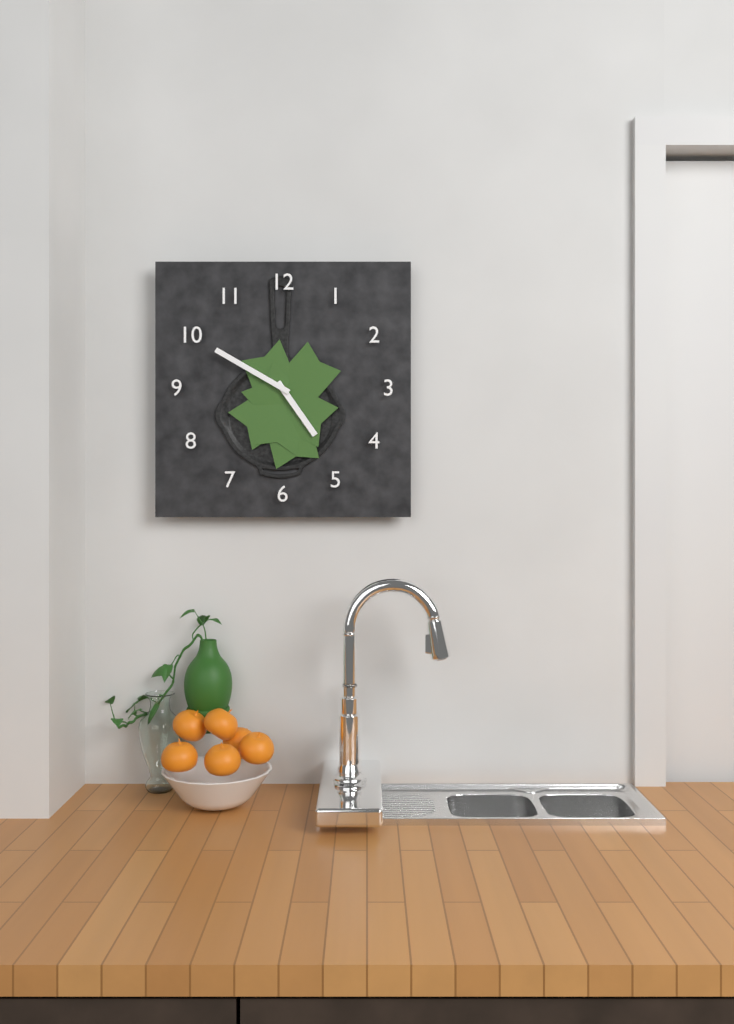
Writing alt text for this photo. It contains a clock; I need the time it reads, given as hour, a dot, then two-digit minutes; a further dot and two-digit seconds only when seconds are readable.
4.50
